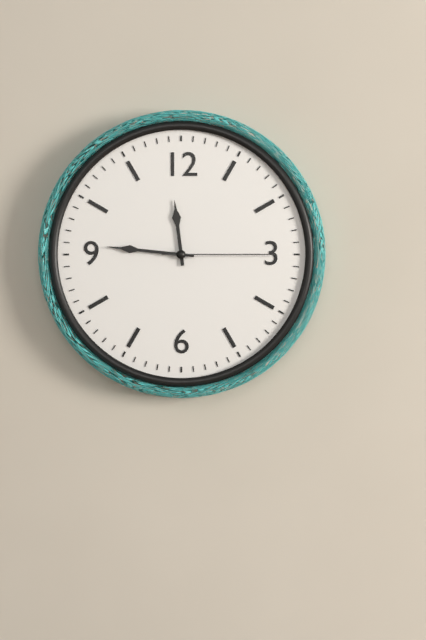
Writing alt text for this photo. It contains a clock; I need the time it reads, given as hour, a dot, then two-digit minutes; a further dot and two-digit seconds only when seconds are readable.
11.46.15
